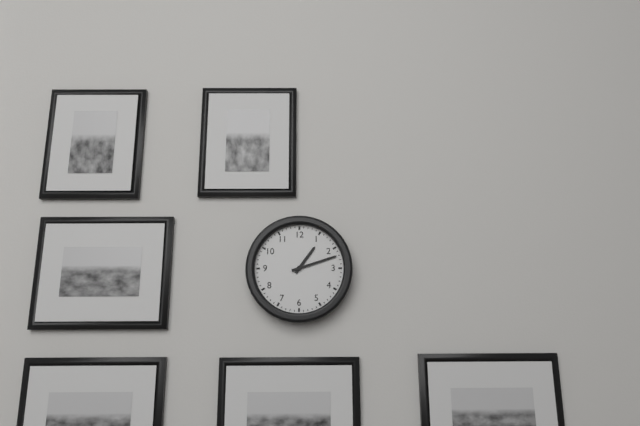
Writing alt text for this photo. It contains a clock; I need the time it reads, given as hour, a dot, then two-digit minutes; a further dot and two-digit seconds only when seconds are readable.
1.12
